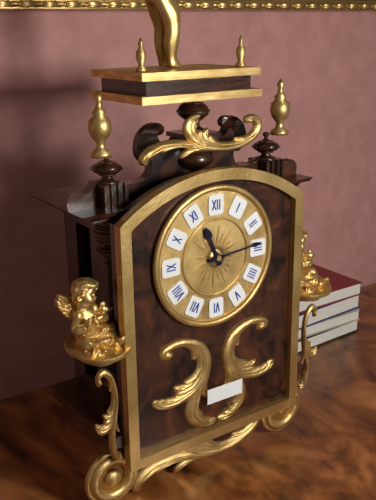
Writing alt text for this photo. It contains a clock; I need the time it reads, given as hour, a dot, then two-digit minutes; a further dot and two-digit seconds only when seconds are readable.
11.14
